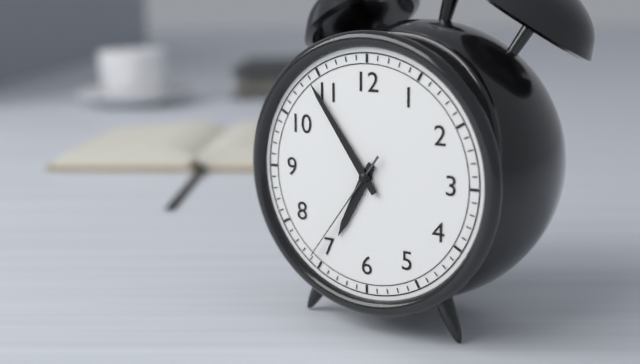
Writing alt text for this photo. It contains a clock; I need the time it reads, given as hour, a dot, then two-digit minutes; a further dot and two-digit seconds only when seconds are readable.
6.54.36
